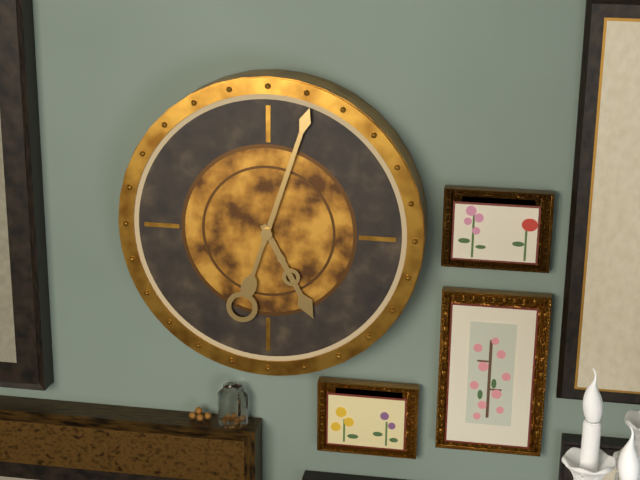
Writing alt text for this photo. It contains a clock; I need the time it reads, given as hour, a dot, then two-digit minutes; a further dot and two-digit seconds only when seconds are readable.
5.03
